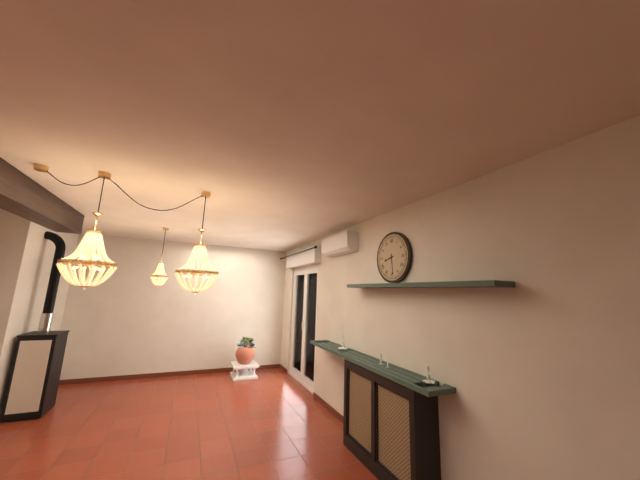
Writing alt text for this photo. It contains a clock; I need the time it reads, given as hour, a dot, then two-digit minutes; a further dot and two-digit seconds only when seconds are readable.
8.29
